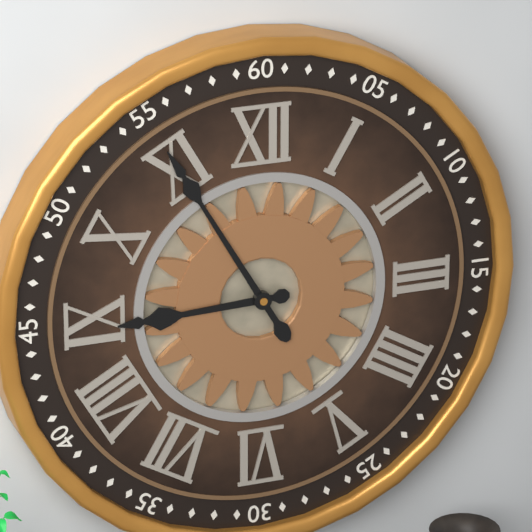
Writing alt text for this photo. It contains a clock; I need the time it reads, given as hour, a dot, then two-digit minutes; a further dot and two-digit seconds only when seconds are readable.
8.55
